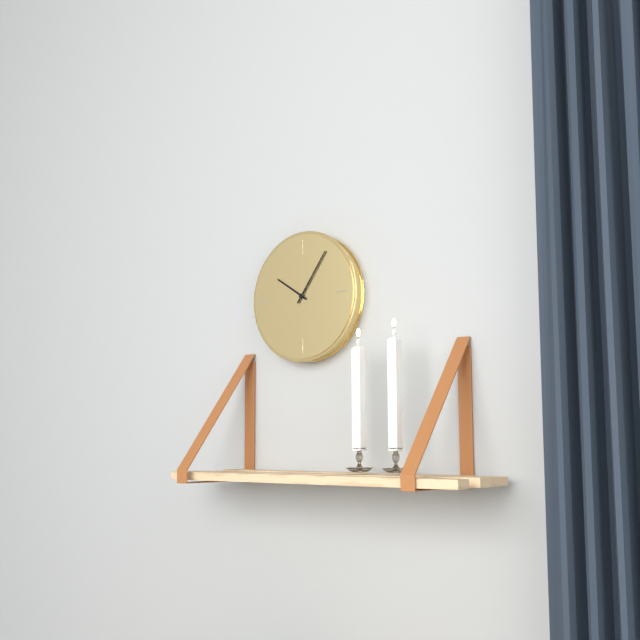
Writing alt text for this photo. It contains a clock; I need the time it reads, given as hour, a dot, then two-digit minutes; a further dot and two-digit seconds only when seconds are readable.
10.06
